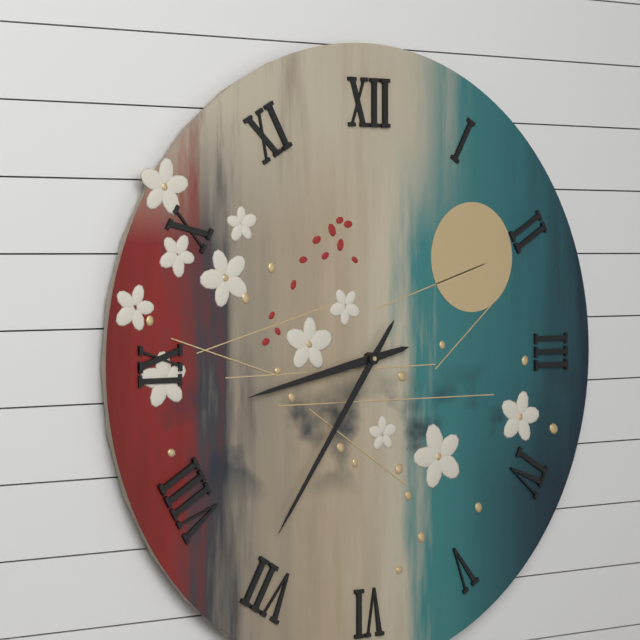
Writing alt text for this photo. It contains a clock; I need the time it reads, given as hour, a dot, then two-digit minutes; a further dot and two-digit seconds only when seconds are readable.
8.36
